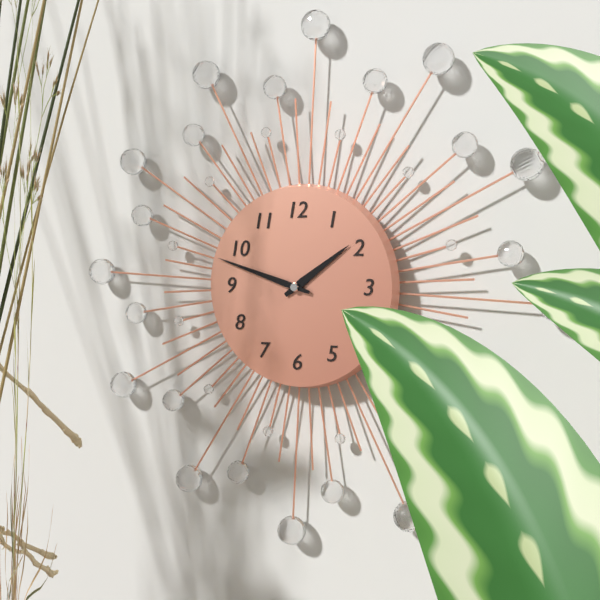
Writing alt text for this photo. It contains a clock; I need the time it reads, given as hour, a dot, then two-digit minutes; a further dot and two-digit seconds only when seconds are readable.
1.48
